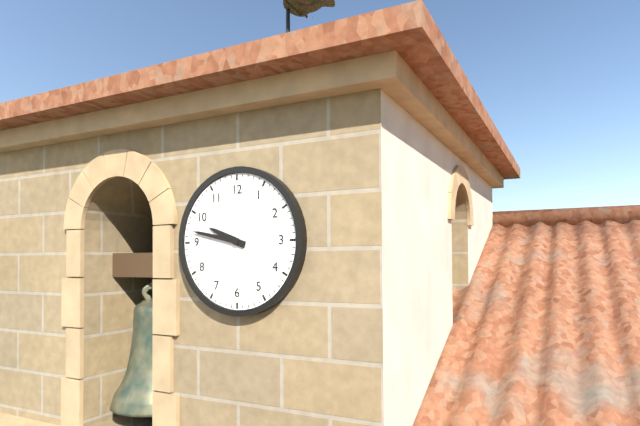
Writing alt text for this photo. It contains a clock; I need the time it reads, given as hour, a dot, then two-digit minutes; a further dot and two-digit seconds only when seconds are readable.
9.47
